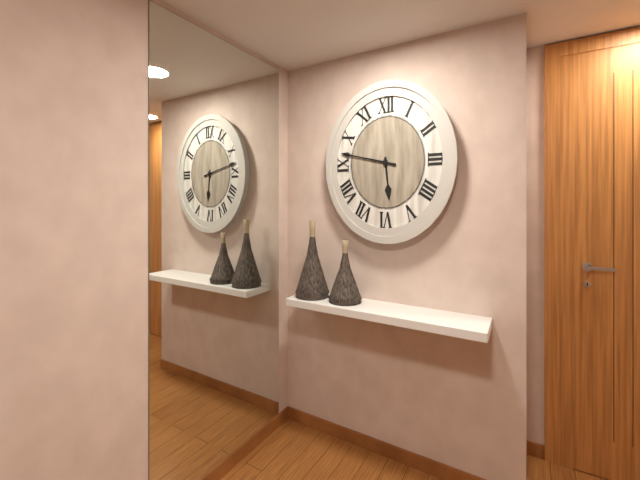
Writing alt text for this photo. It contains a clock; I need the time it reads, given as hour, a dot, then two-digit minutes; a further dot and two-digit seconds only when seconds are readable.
5.47
